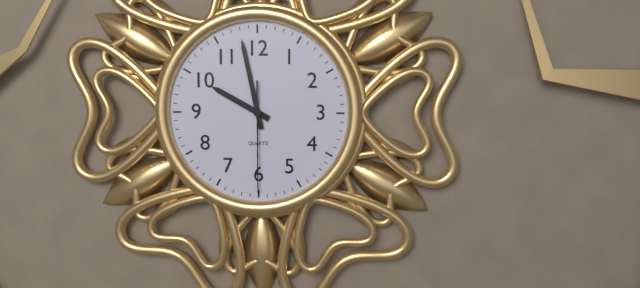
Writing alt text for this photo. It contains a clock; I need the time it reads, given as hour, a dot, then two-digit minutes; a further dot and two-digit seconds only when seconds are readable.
9.58.30
